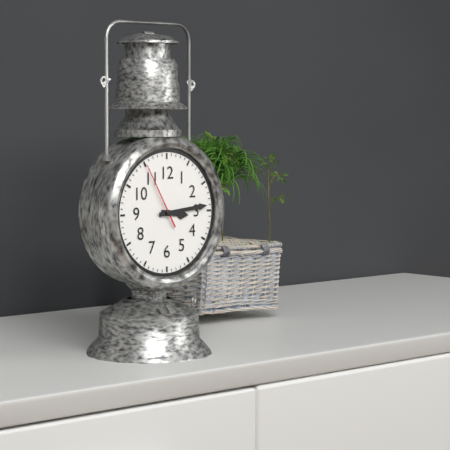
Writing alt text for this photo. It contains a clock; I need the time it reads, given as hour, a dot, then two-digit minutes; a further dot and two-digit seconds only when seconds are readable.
3.14.55
